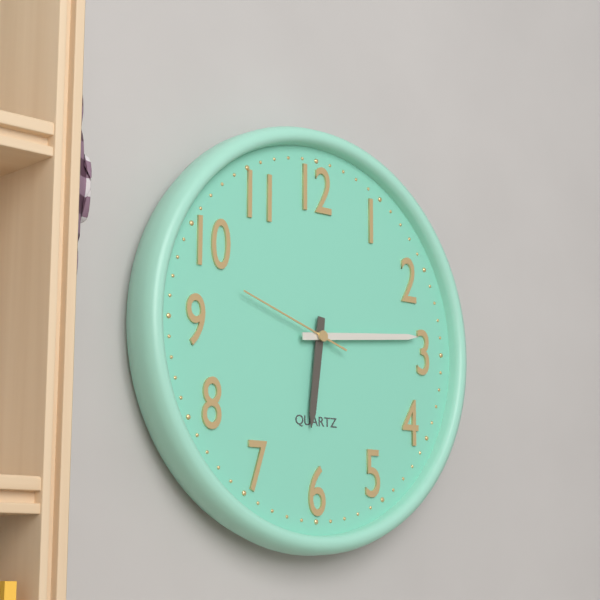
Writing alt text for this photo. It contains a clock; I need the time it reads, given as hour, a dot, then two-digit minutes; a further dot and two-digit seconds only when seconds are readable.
6.14.48
